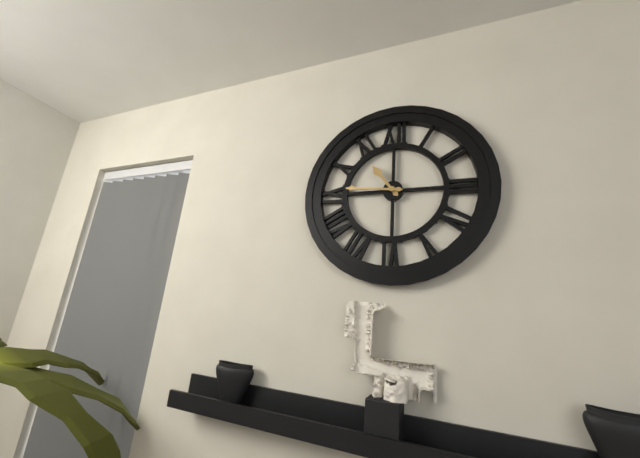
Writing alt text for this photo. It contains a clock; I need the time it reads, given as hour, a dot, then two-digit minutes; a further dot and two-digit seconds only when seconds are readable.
10.46
